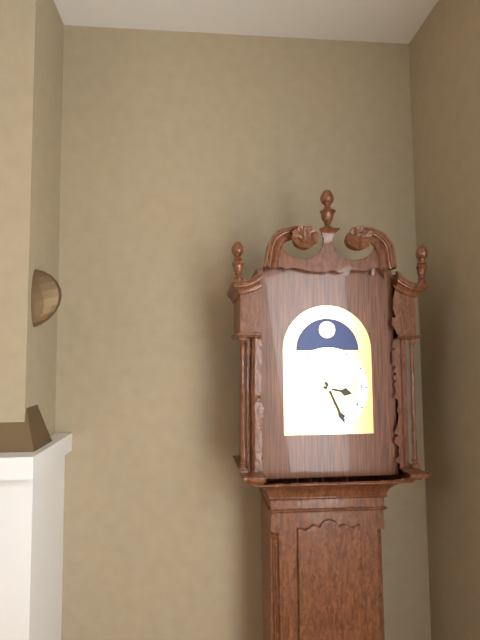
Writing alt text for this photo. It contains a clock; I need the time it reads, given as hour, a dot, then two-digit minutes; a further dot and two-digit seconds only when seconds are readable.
3.26
